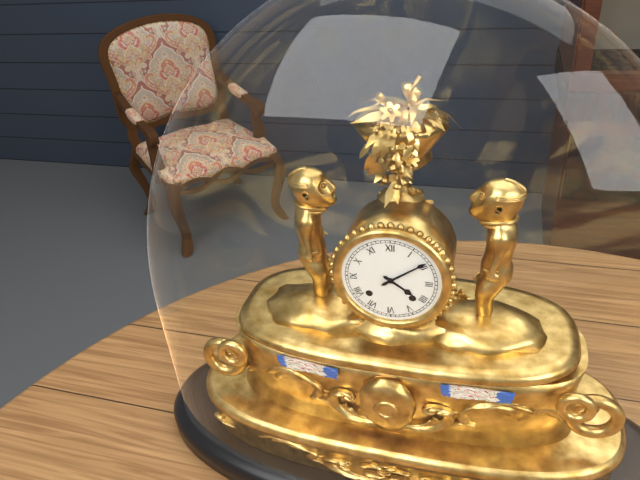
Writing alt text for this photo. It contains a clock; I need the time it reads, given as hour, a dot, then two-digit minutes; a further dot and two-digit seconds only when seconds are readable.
4.09
